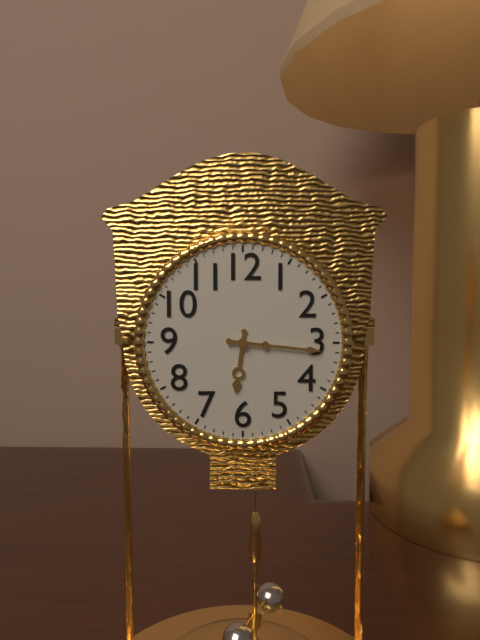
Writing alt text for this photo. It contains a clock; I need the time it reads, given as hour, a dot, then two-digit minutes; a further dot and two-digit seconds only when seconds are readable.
6.16
